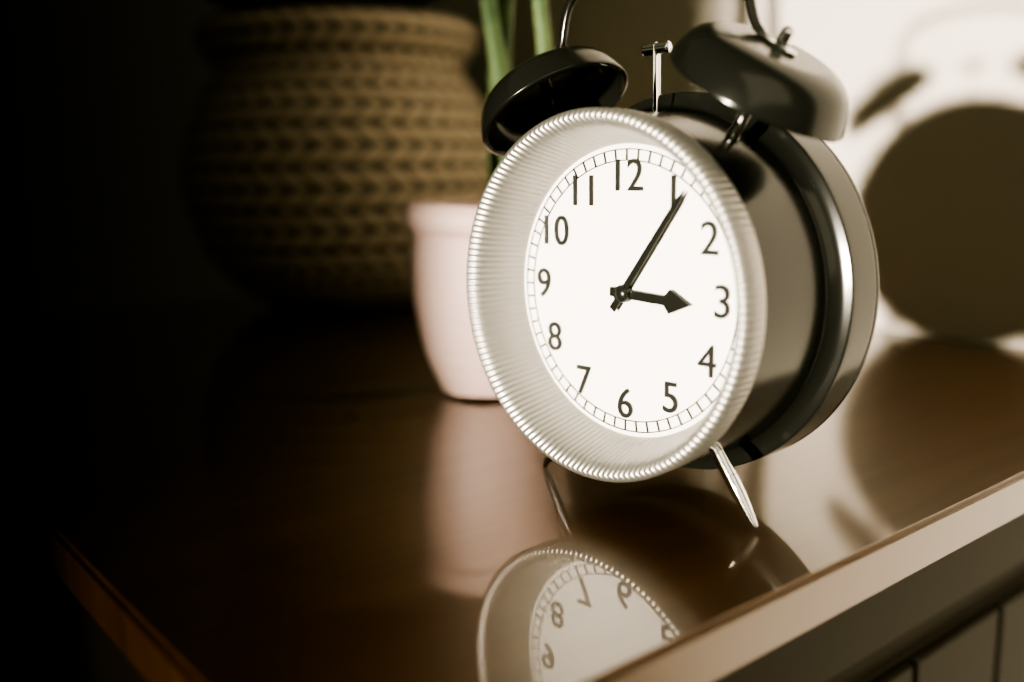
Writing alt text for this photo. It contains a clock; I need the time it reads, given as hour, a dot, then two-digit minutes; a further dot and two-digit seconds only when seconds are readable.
3.06
